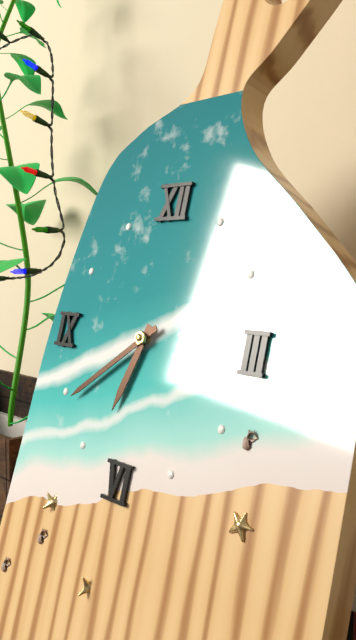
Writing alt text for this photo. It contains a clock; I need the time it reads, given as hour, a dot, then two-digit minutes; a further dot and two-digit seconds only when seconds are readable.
6.39
